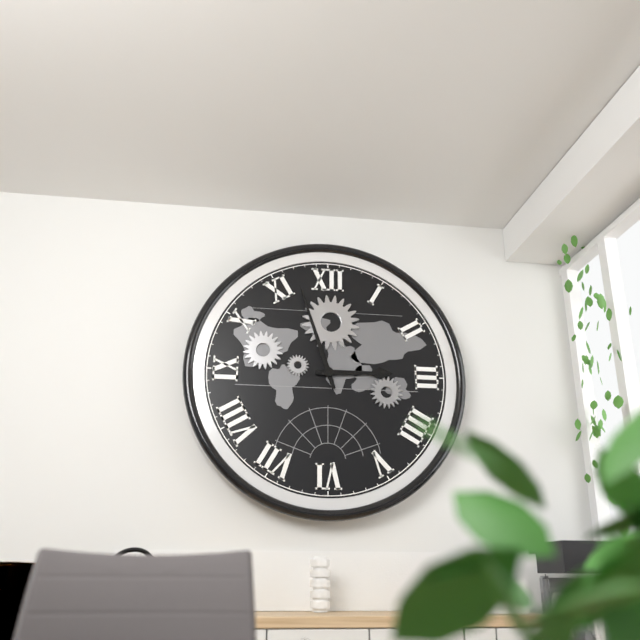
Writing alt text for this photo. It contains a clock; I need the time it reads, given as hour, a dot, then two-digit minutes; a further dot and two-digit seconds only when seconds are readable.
2.57
